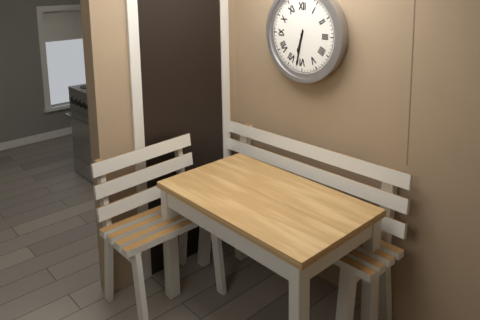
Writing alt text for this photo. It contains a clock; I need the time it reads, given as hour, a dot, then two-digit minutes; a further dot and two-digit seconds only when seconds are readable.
6.32
